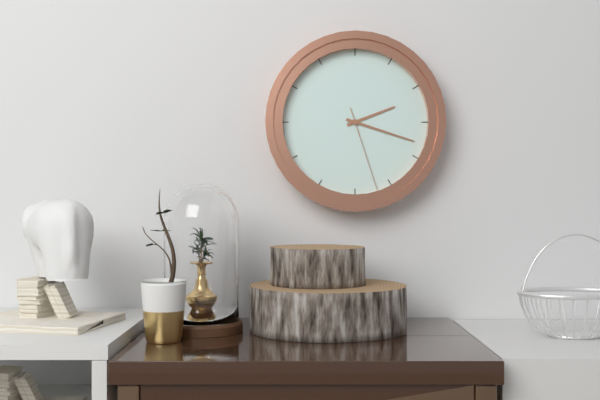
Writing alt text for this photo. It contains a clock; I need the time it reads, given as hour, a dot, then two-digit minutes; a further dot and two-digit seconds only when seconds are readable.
2.18.27
